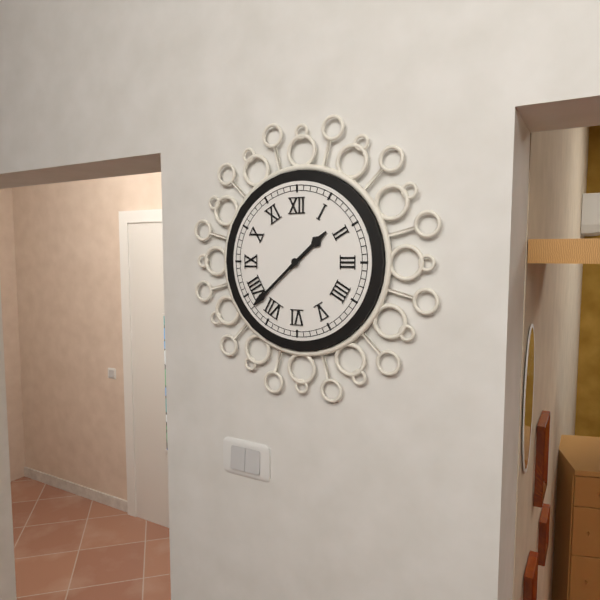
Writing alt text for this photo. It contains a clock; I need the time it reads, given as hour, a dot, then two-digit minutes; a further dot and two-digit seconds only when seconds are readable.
1.38
